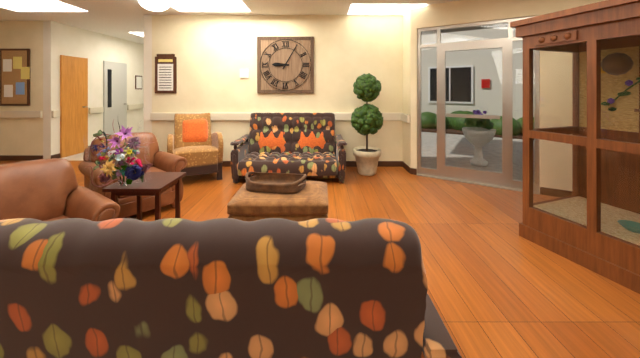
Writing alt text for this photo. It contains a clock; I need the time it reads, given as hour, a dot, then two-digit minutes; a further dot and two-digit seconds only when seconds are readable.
9.05
